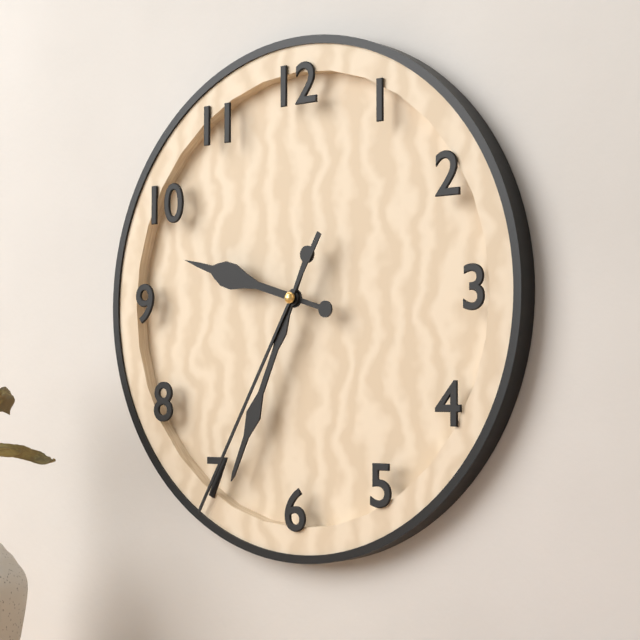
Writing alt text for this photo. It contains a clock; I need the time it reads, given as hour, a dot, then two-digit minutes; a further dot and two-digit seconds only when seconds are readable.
9.34.35
